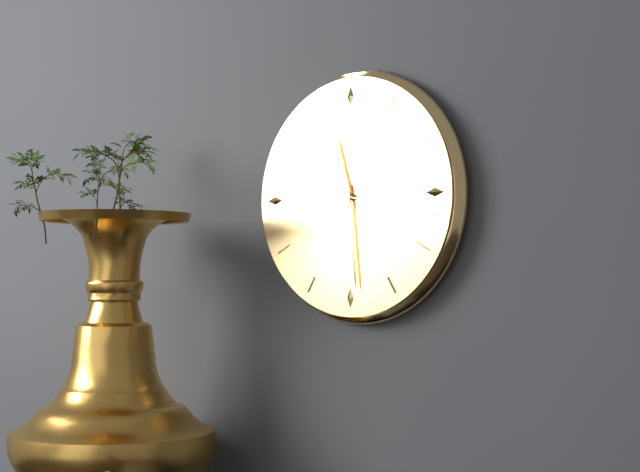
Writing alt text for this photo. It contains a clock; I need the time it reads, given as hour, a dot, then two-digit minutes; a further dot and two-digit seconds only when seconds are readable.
11.29.17
